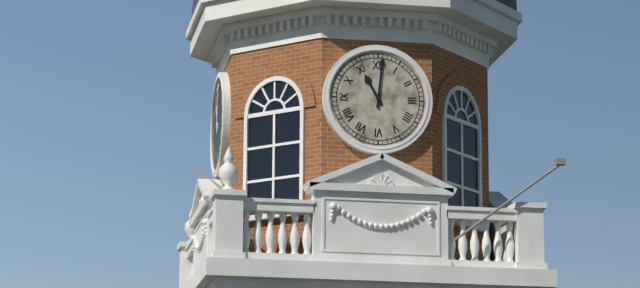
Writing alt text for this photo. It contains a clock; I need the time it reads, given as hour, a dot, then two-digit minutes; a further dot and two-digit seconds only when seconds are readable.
11.01
